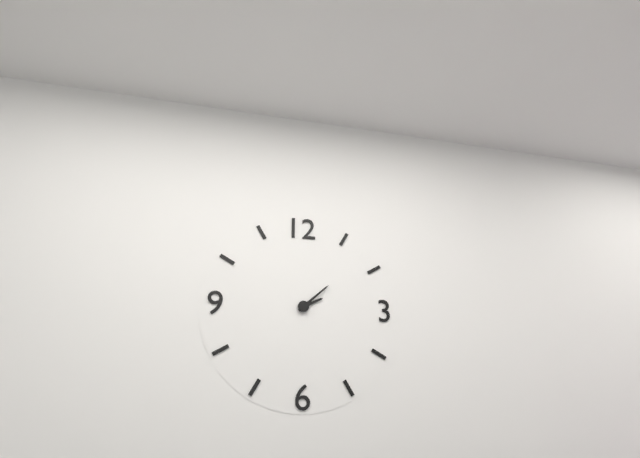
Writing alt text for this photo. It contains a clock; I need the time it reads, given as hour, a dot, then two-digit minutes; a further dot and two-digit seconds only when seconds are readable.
2.08
